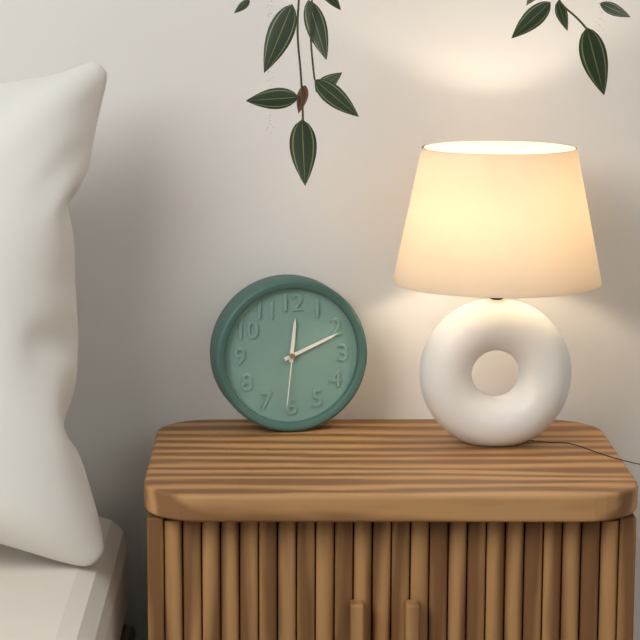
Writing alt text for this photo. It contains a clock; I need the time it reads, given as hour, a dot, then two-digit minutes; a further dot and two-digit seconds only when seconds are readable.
12.11.31
